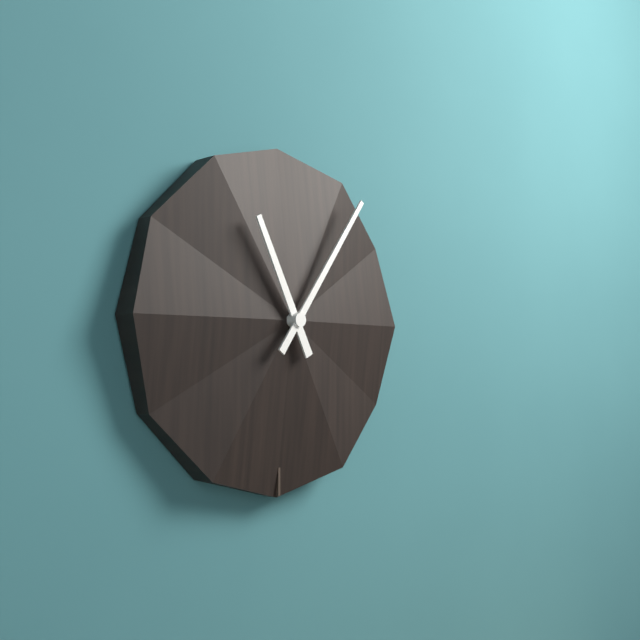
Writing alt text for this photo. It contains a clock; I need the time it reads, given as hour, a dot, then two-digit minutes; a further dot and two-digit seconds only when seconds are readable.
11.06
